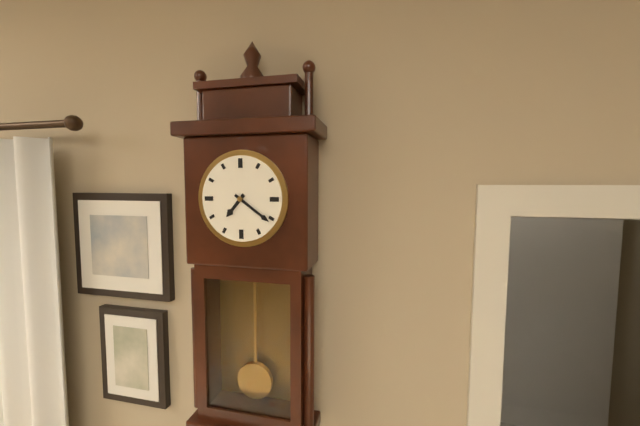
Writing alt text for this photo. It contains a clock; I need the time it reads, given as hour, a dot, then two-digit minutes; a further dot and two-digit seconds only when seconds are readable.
7.21
